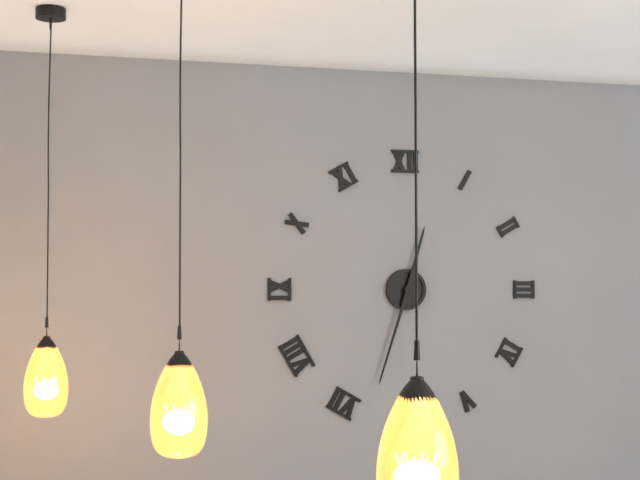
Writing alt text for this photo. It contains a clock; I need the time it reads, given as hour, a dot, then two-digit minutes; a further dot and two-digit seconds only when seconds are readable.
12.33
